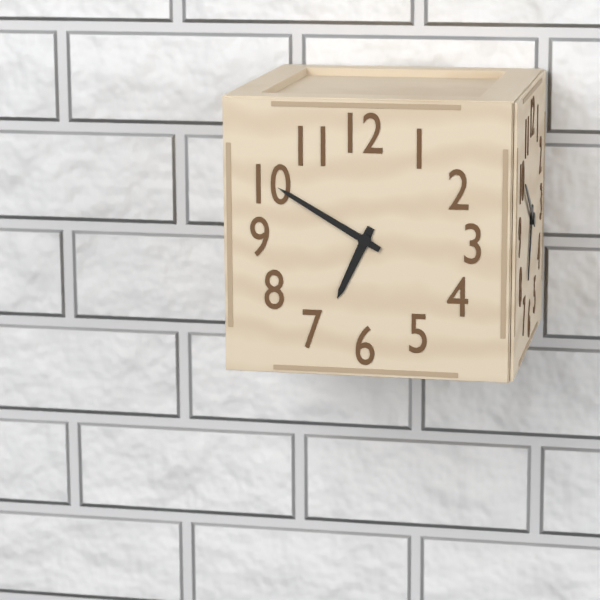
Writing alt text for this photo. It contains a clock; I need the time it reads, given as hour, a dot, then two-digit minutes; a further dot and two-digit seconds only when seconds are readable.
6.50
